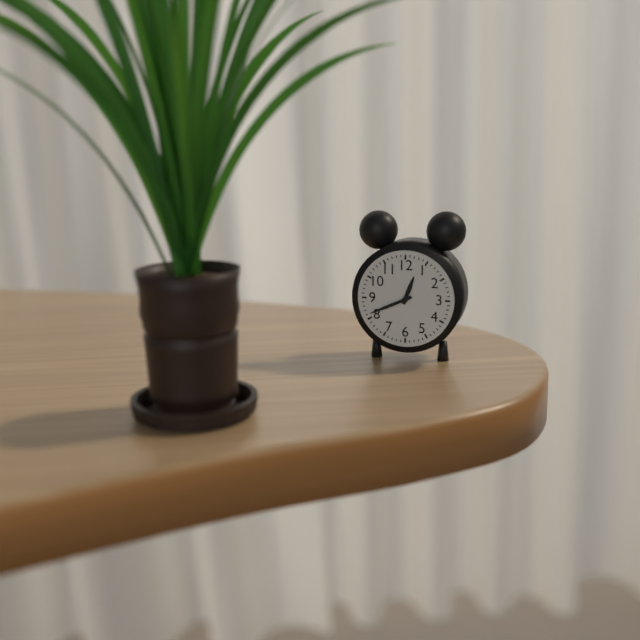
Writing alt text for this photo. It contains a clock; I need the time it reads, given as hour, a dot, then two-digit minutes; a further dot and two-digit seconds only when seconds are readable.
12.41
